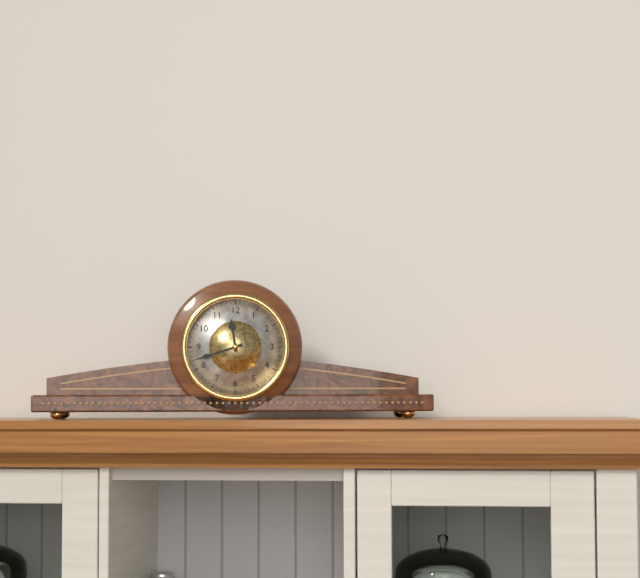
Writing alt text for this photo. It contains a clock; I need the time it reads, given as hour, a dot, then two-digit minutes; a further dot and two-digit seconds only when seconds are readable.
11.42
